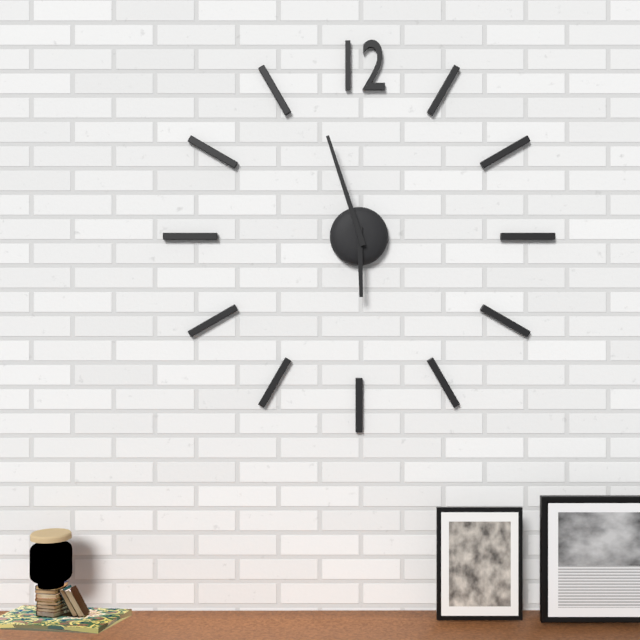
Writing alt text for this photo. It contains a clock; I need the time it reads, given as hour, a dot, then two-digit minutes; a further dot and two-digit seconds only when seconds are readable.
5.57
